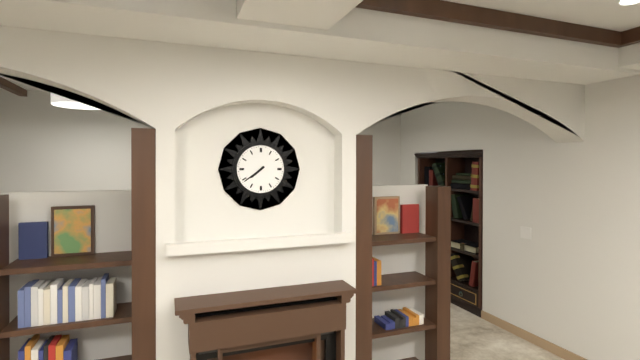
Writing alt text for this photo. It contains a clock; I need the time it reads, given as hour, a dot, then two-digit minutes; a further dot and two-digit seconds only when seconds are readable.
7.39
